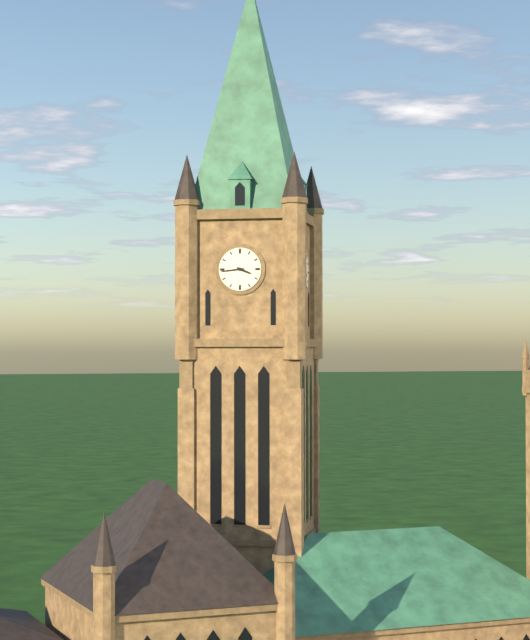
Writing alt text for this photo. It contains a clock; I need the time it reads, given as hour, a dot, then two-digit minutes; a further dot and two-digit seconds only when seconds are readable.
3.44
